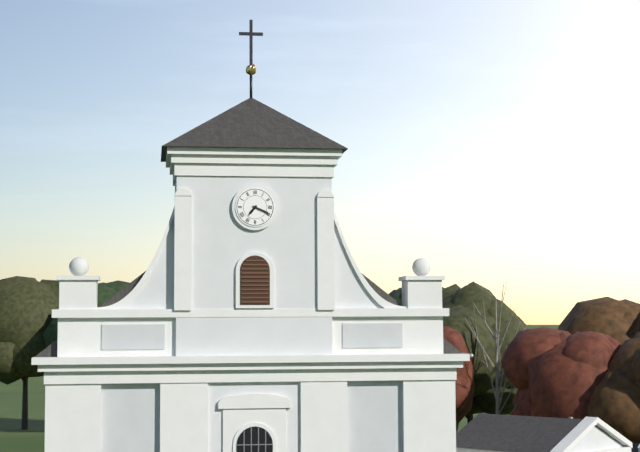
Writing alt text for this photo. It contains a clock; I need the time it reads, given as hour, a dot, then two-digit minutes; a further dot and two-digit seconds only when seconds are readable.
7.19
